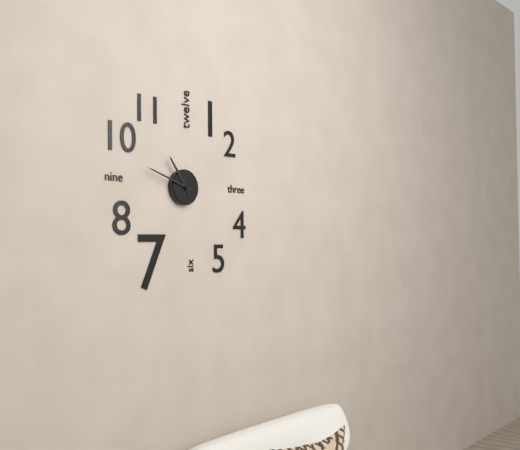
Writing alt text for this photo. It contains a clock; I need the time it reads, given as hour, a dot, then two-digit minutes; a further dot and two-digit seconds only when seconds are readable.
10.48
